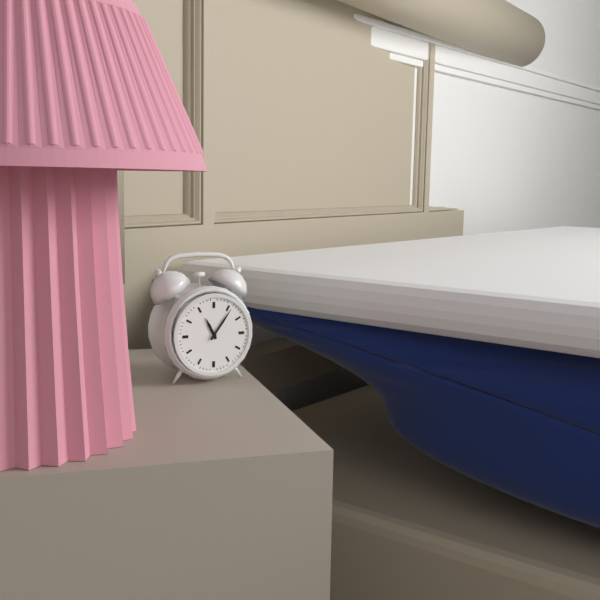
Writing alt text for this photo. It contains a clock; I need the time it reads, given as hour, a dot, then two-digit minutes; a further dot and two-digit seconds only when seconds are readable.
11.06
